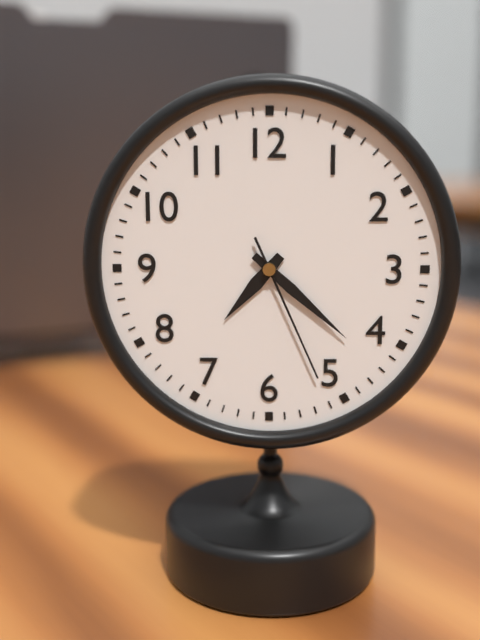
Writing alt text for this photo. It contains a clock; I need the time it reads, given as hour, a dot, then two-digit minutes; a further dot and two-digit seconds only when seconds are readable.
7.22.26
